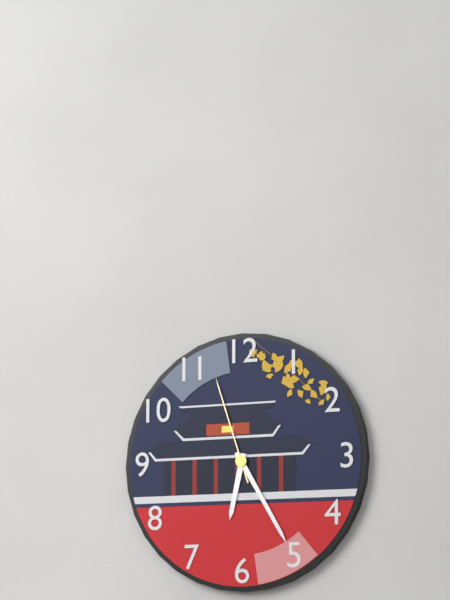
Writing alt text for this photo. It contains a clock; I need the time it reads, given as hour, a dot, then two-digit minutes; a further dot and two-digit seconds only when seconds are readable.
6.25.57
